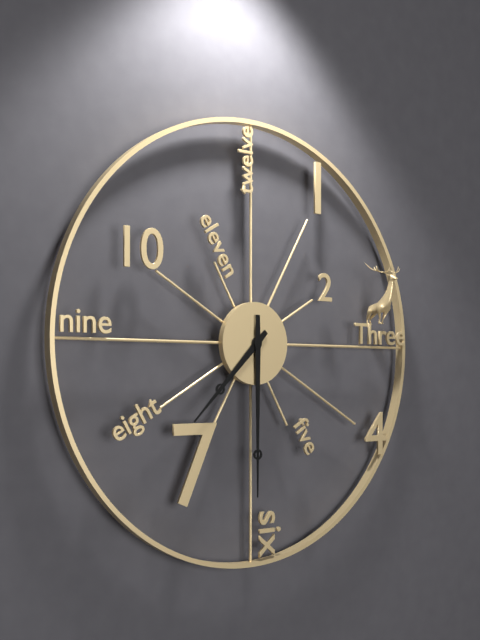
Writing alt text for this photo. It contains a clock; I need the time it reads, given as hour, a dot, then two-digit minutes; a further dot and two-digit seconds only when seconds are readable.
7.30
